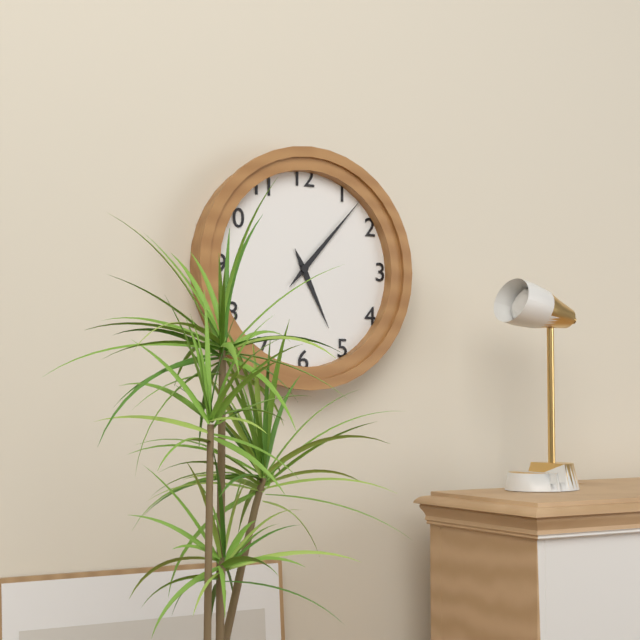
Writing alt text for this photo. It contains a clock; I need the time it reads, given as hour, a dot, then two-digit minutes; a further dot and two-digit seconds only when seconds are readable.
5.07
